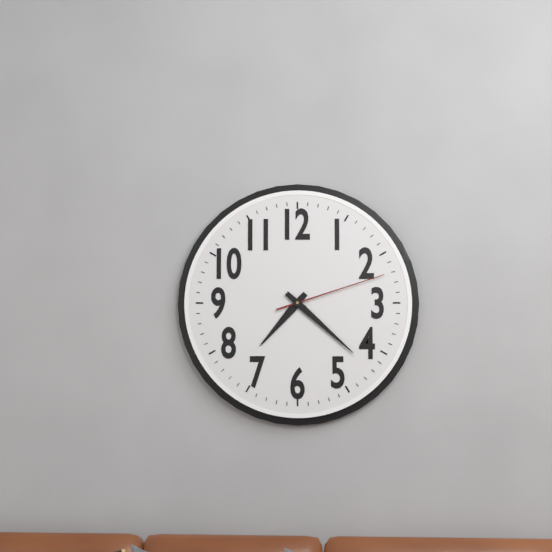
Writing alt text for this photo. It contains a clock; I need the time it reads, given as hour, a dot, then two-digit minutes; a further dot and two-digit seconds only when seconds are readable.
7.22.12
